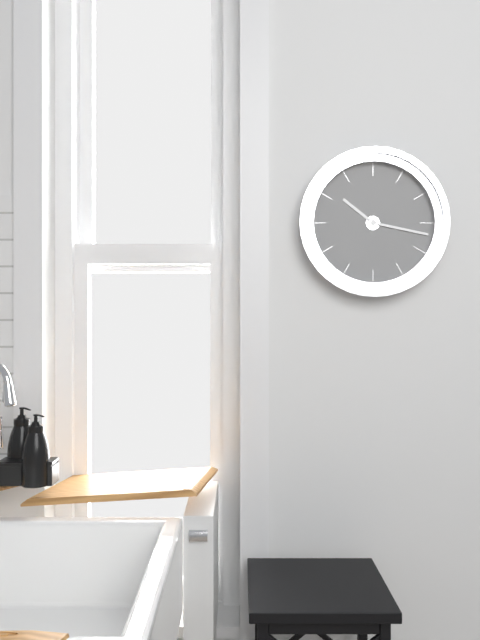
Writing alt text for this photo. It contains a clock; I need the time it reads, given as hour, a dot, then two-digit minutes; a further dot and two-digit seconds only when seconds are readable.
10.17
